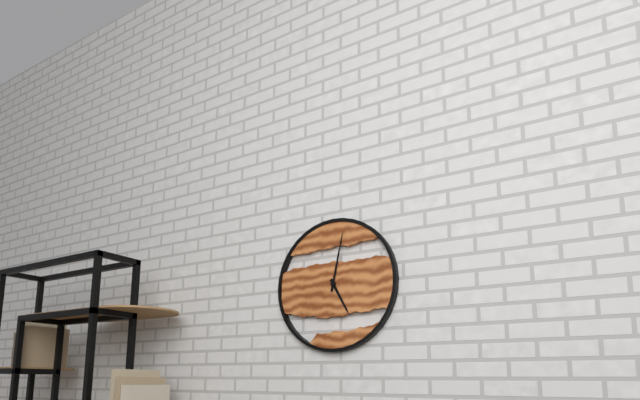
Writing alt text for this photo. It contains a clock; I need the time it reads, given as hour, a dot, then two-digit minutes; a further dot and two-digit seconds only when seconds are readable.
5.02
